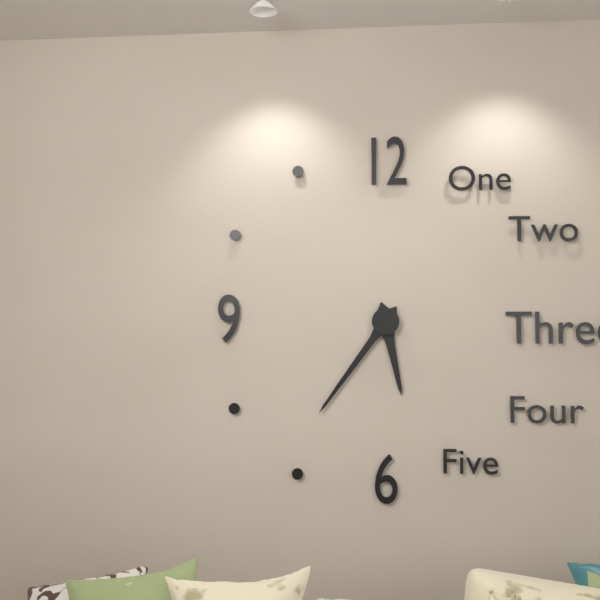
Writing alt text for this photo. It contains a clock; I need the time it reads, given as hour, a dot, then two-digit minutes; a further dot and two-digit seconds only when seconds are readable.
5.36
